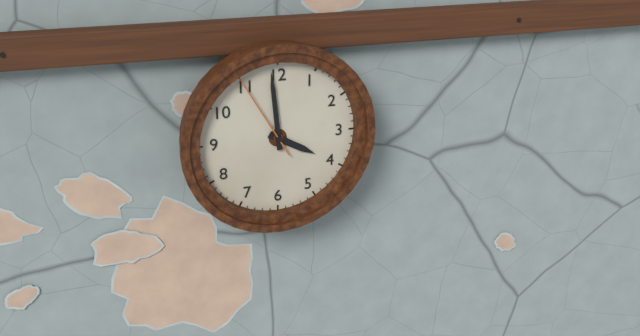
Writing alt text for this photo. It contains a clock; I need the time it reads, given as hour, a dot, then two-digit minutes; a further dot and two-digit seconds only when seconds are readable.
3.59.55
